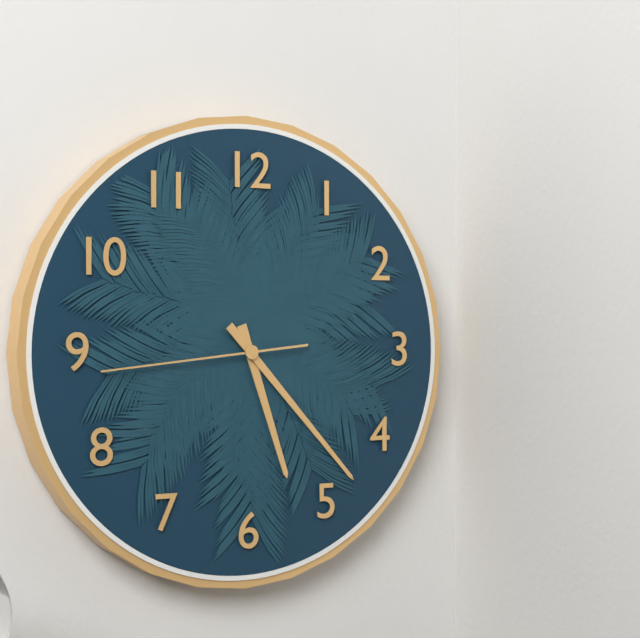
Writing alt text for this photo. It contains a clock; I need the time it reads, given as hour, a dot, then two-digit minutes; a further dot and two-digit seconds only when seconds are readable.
5.23.44
